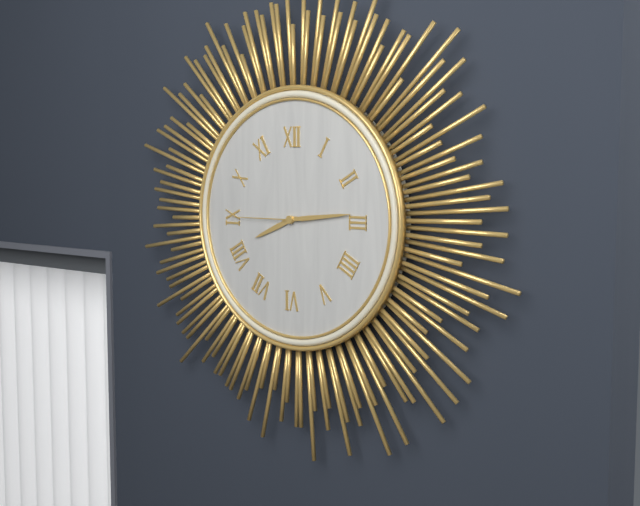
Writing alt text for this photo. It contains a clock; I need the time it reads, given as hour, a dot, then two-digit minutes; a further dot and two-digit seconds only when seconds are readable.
8.14.45
